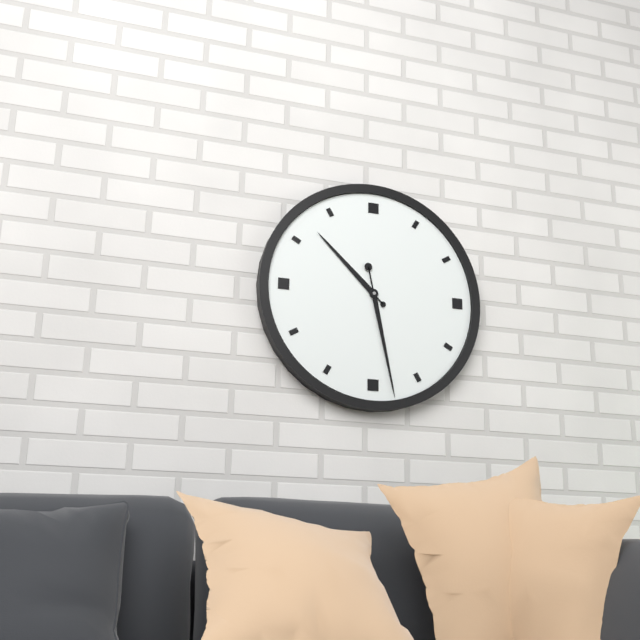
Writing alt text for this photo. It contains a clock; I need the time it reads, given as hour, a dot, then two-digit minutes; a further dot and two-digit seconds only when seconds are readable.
10.28
